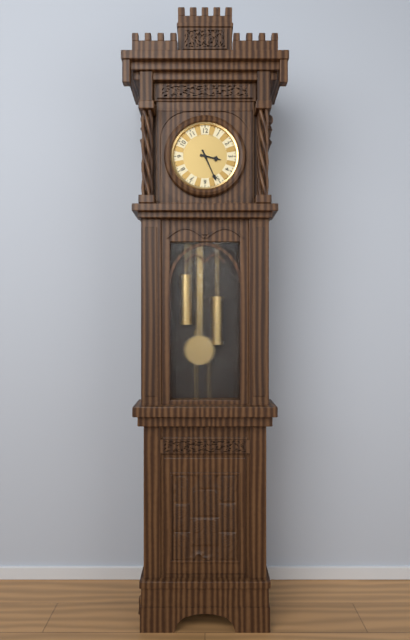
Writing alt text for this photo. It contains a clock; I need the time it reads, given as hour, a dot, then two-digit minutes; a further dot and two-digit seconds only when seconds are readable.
3.26
